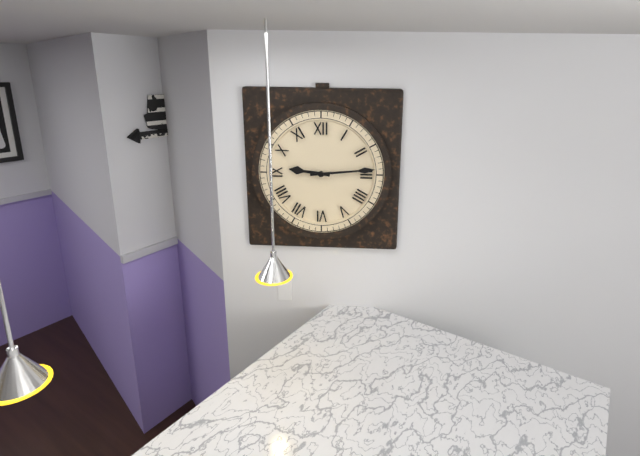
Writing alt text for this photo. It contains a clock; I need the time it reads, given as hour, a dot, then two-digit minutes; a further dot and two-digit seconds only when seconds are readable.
9.14
